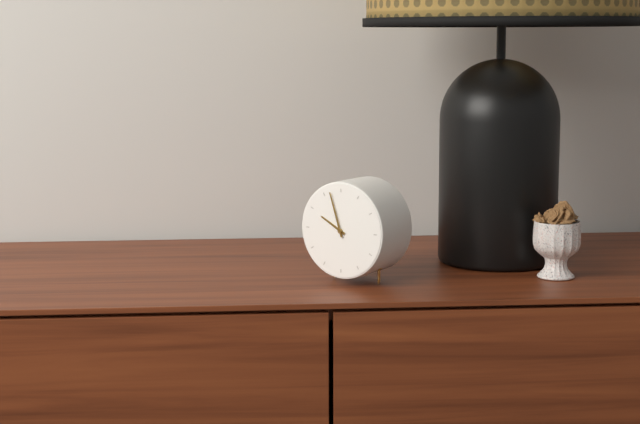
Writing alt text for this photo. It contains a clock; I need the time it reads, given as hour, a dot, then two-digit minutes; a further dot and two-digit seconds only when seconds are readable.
9.57
